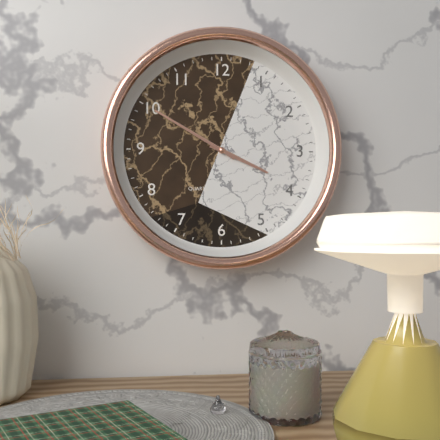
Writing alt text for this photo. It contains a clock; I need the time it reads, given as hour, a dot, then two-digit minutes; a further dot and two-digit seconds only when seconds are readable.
3.50
